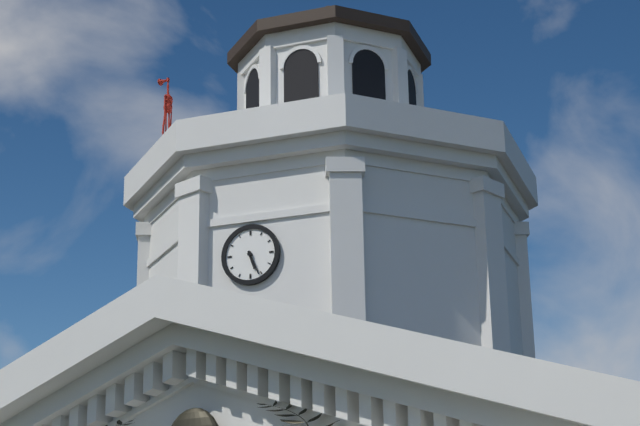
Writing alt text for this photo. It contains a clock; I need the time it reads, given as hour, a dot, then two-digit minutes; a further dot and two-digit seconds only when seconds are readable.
5.26
